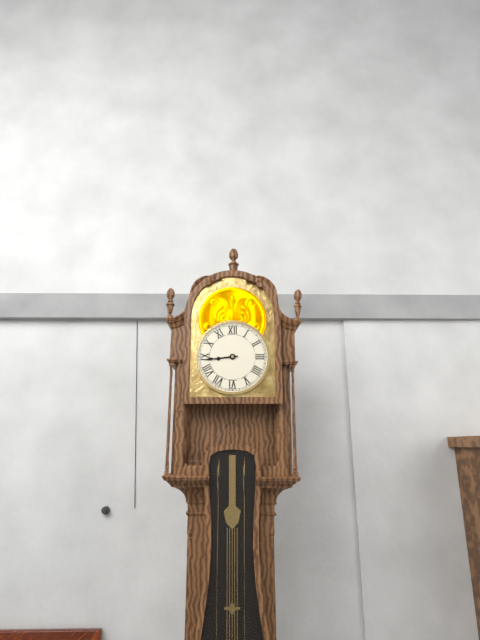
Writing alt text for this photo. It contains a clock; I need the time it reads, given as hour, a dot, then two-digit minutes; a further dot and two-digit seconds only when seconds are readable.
8.44
